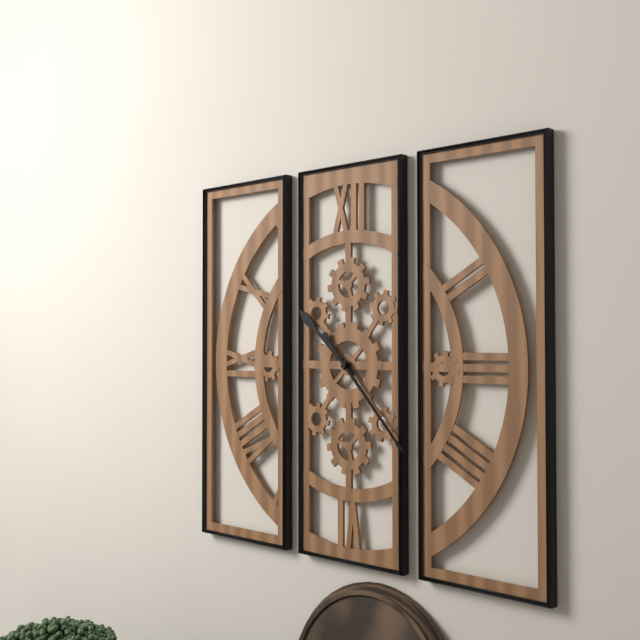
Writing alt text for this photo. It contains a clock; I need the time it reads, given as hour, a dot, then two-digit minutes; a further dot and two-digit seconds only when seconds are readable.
10.23
